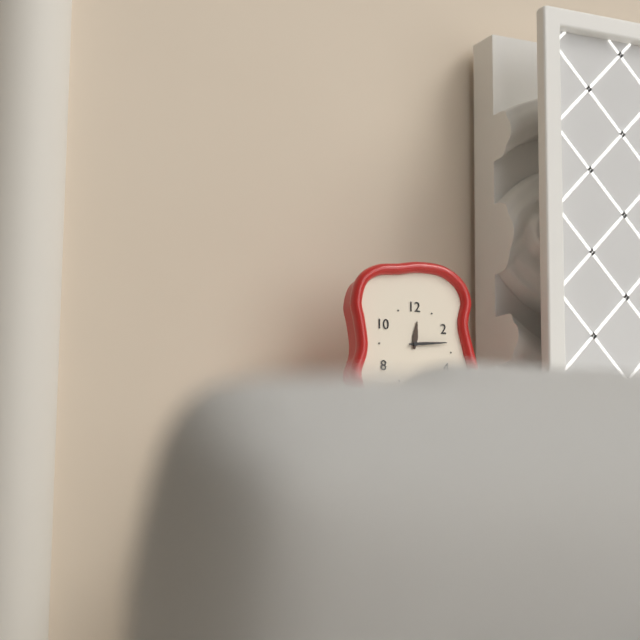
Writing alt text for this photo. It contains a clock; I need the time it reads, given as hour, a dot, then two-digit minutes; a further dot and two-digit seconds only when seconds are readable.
12.14
